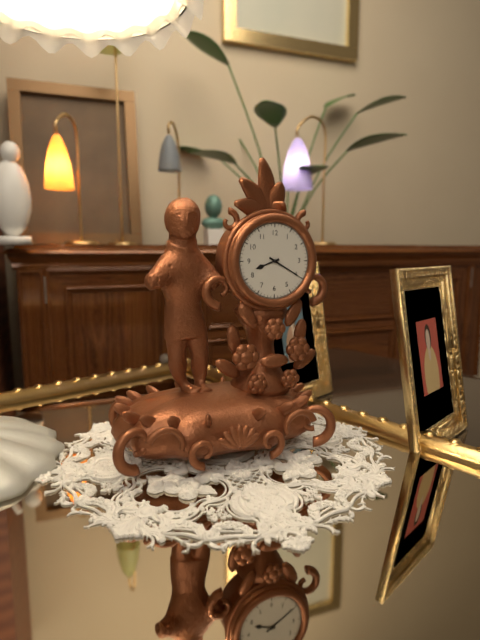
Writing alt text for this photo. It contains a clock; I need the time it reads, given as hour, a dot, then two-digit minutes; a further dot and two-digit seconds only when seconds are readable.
8.20
